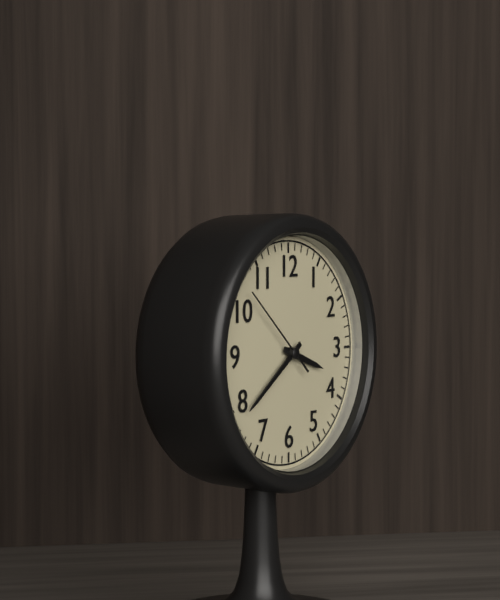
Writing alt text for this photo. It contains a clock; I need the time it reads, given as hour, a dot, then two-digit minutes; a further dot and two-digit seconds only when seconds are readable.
3.39.52
